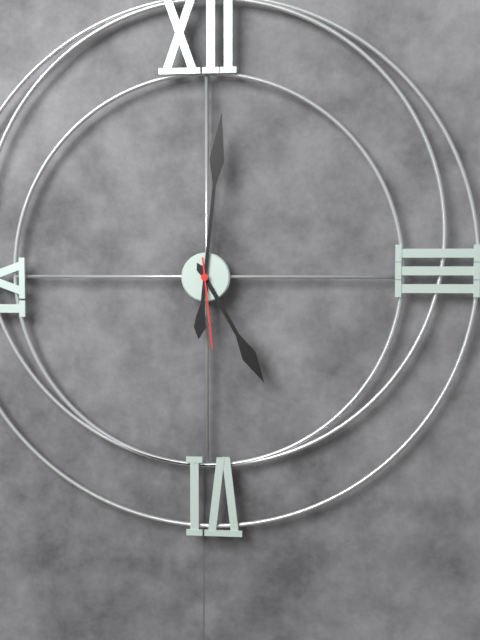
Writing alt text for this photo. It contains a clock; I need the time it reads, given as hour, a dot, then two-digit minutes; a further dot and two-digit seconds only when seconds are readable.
5.01.29
